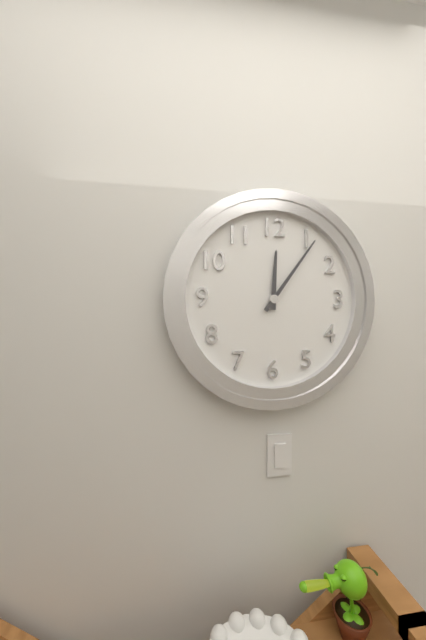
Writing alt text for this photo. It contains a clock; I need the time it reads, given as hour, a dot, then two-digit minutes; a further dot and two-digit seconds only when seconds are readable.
12.06
